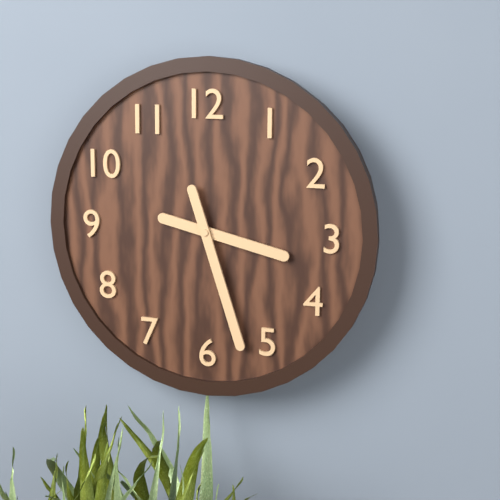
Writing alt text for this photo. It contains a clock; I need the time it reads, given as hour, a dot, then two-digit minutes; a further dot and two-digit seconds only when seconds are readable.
3.27
